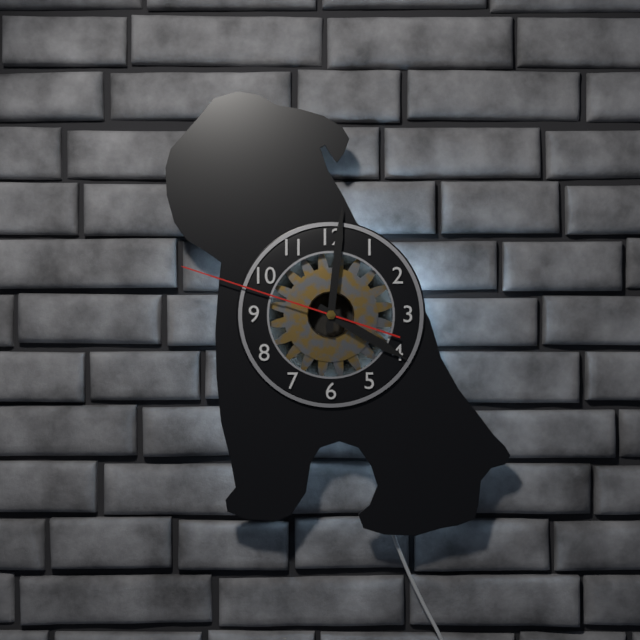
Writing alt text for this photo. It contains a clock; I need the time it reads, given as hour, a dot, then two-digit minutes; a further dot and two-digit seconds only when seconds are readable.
4.01.48
